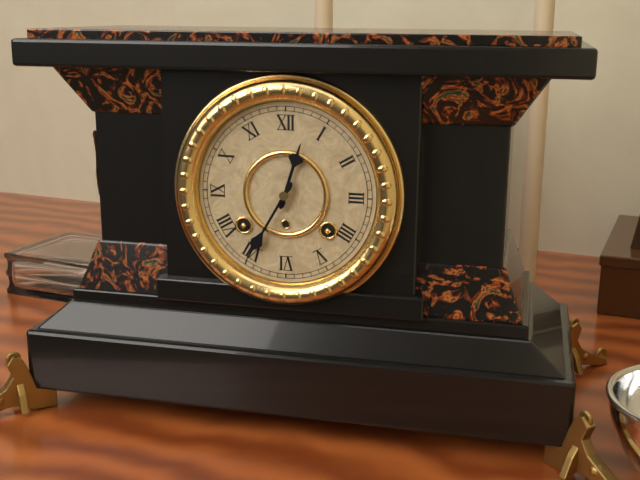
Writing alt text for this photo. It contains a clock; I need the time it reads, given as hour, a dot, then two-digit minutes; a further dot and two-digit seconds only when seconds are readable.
12.35
